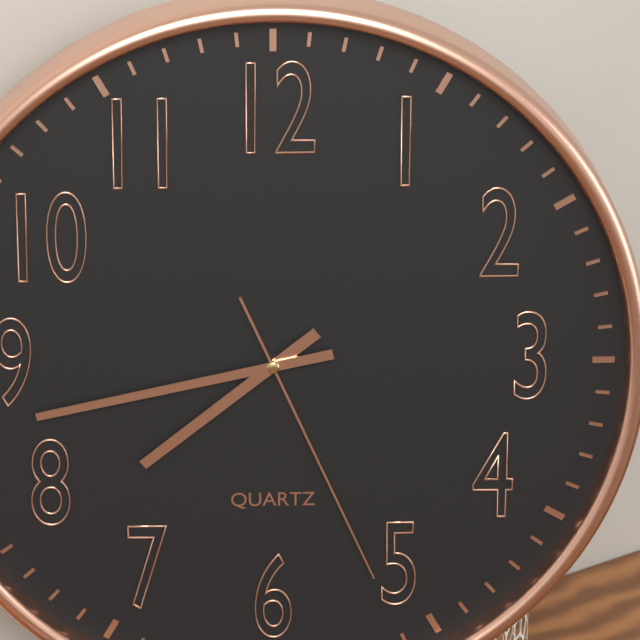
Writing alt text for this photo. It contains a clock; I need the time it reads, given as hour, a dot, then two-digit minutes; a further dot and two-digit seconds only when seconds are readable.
7.43.26
